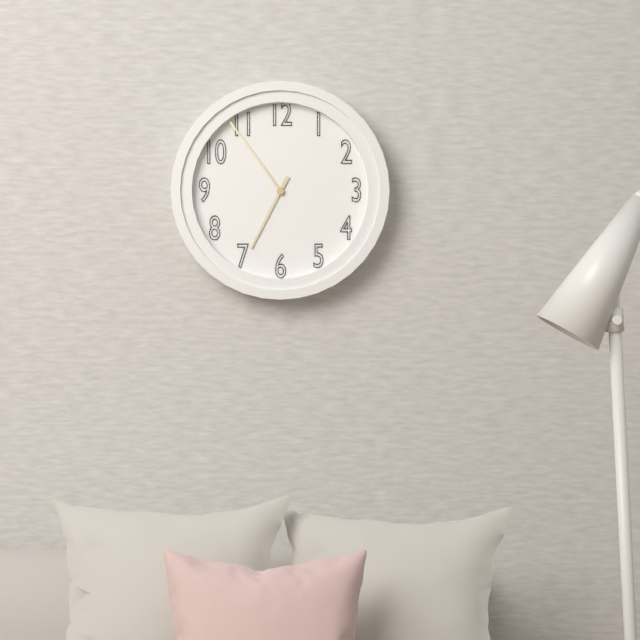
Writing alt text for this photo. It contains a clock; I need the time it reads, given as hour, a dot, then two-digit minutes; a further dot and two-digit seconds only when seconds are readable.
6.54
